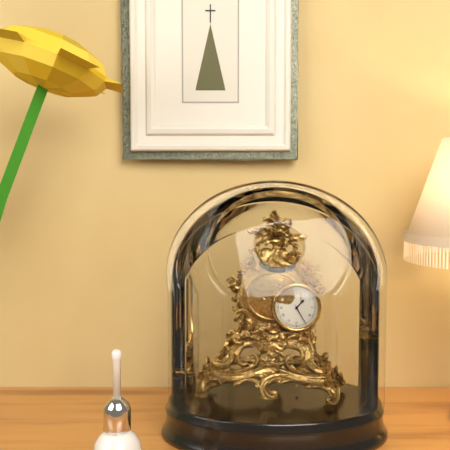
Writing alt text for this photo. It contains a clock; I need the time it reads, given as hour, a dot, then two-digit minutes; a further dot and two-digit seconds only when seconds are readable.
1.25
